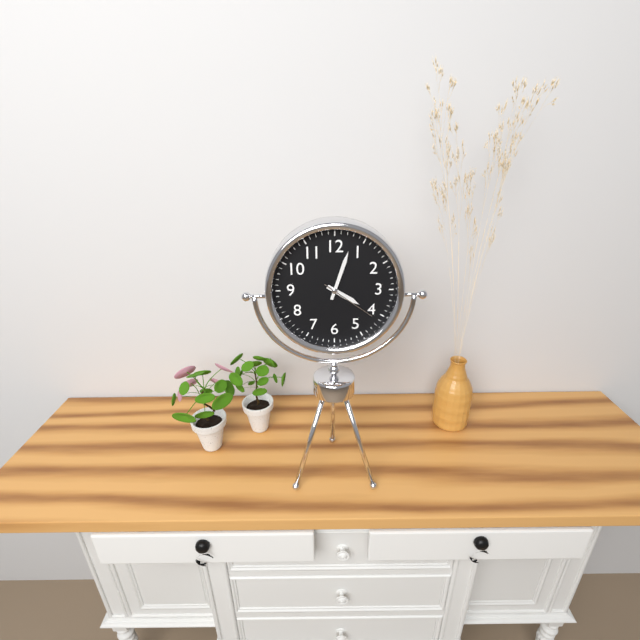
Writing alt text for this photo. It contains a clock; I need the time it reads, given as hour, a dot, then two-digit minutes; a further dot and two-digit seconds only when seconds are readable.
4.03.21
